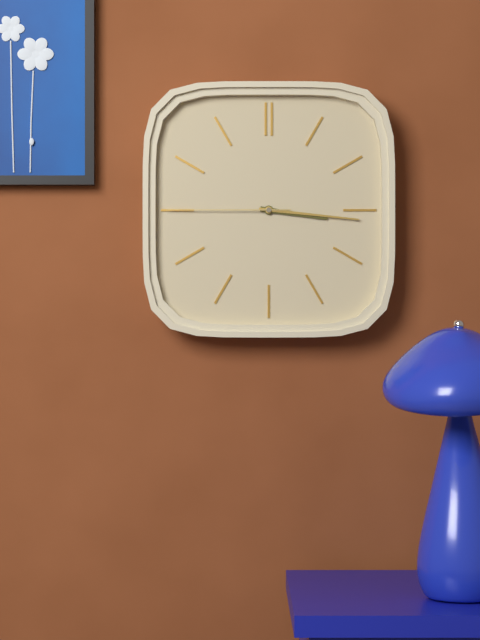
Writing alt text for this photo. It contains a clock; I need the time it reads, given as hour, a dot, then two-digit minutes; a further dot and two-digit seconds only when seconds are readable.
3.16.45
